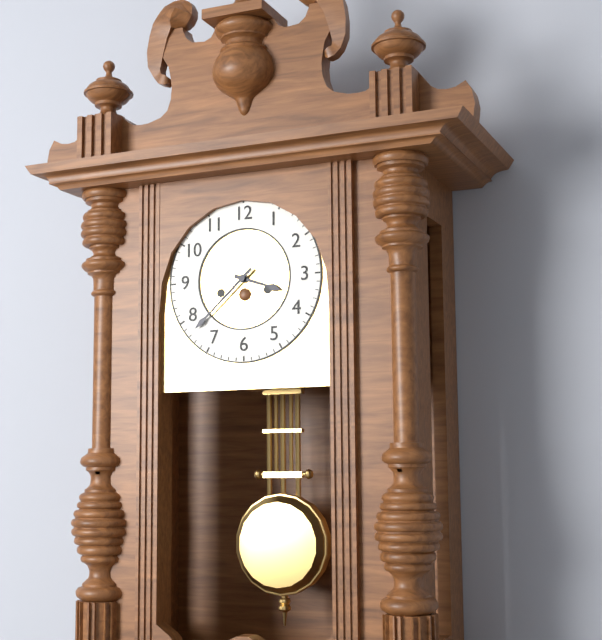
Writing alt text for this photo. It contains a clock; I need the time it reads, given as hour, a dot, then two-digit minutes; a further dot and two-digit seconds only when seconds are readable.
3.38
